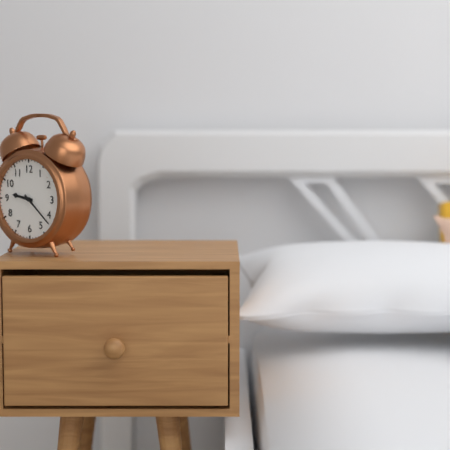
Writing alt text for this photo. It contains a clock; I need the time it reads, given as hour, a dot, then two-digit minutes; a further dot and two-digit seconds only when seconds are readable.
9.22
